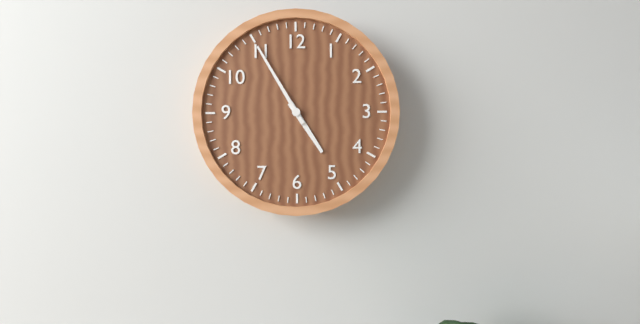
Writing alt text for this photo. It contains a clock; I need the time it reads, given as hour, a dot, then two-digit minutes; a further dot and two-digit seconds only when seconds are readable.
4.55
